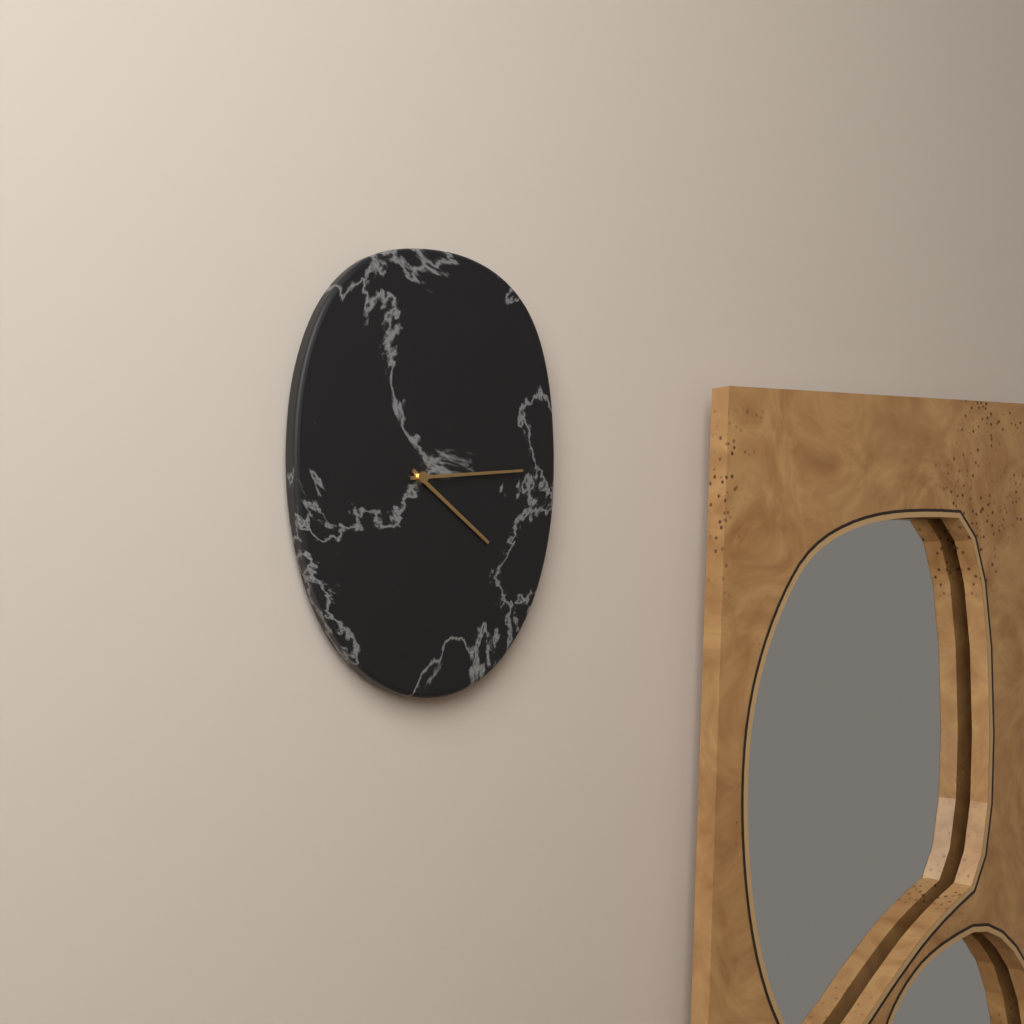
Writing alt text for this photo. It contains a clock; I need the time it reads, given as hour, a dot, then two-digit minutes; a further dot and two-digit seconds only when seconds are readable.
4.14
